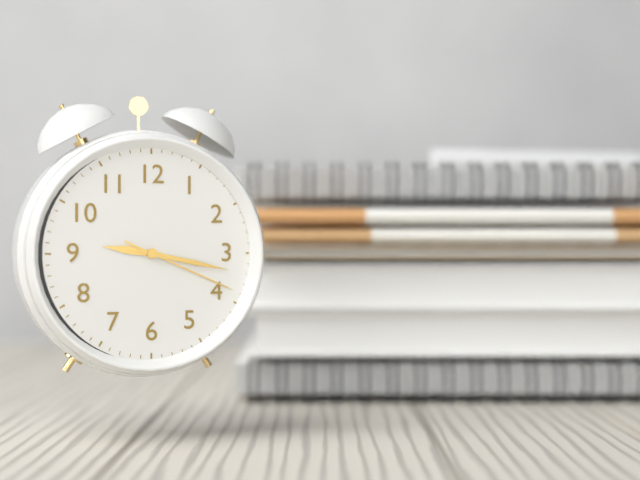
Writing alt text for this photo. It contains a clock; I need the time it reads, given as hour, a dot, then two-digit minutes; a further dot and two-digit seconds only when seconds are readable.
9.17.19
